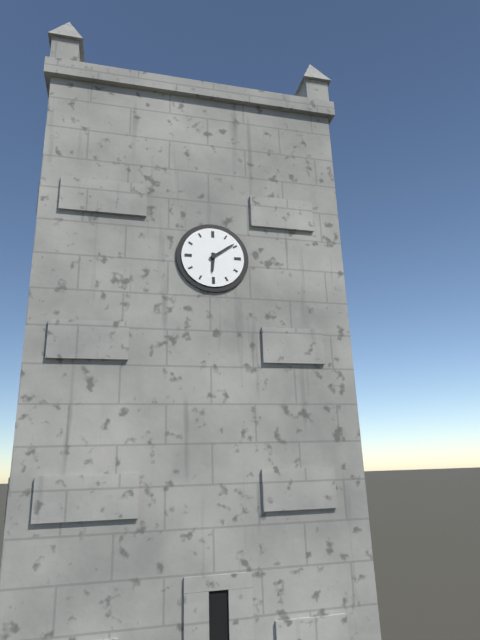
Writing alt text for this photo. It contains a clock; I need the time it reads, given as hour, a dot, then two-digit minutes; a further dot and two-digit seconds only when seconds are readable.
6.09
